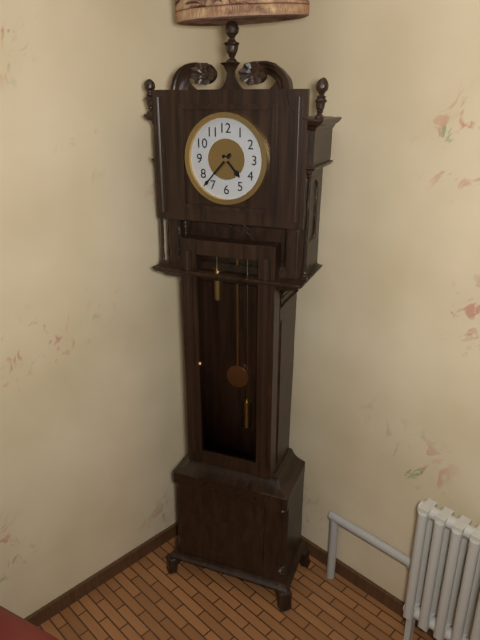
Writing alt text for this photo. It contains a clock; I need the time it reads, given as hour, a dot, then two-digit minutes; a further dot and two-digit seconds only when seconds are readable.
4.37
